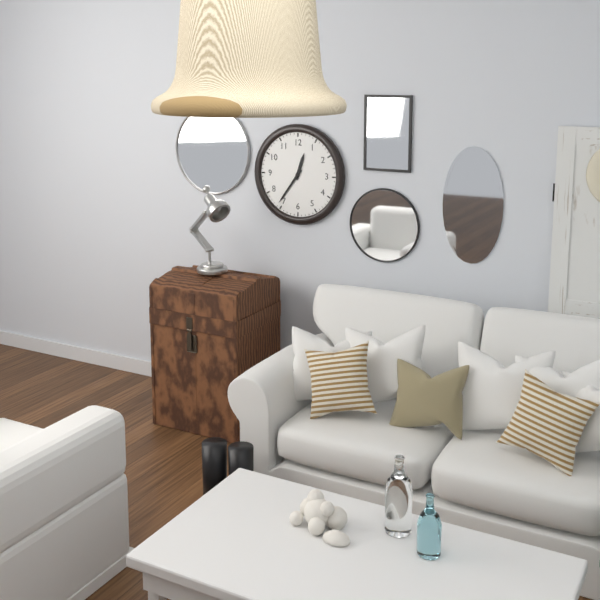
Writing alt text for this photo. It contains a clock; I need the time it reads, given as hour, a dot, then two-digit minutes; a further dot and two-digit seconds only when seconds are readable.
12.36
